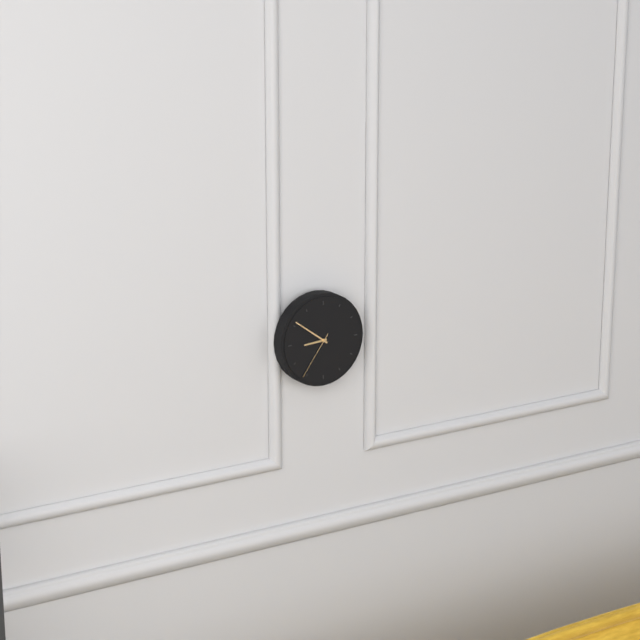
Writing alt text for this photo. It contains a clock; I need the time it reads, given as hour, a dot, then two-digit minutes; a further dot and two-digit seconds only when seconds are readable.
8.51.36
